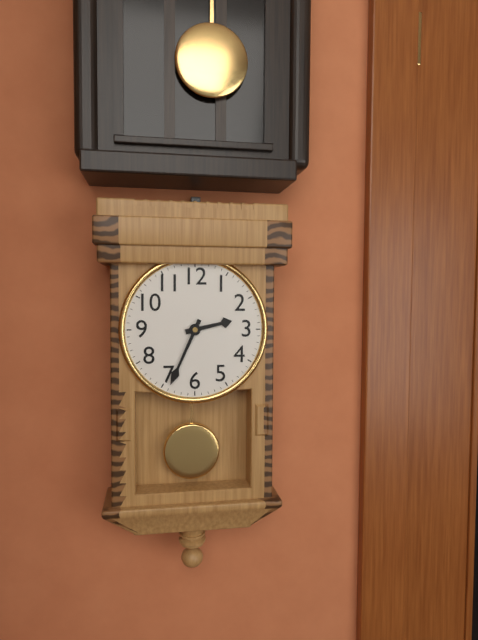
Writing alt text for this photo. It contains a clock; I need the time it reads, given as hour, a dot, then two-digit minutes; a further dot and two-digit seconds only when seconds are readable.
2.34
